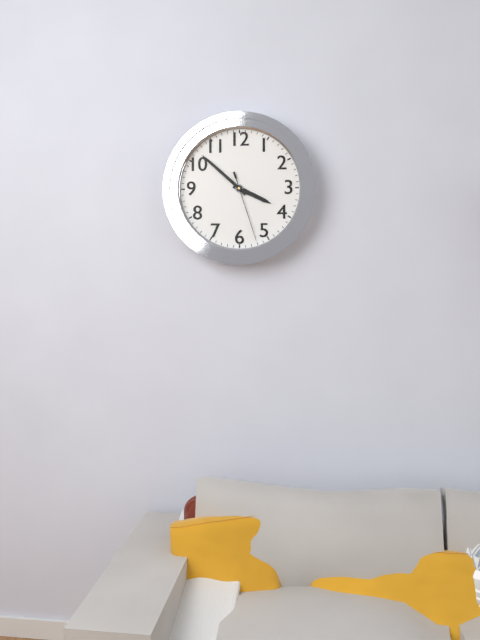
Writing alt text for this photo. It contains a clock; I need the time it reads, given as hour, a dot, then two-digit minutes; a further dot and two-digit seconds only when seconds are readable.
3.52.27
